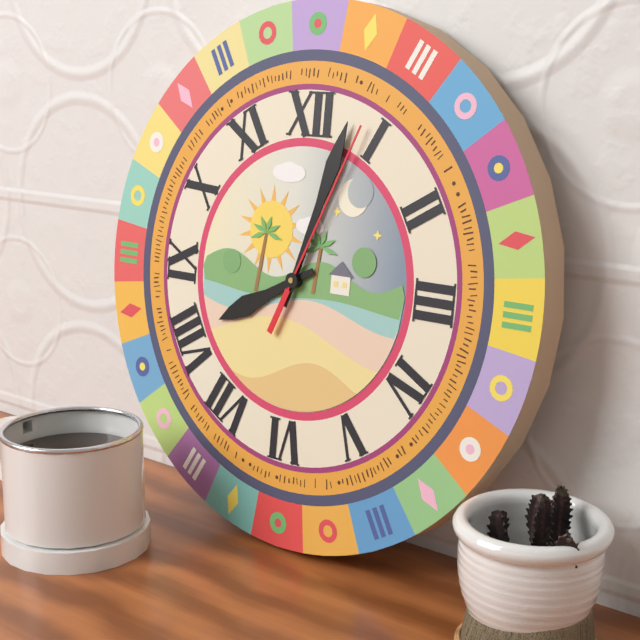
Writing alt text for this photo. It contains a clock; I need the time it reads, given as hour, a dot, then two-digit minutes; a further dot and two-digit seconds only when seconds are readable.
8.03.04
